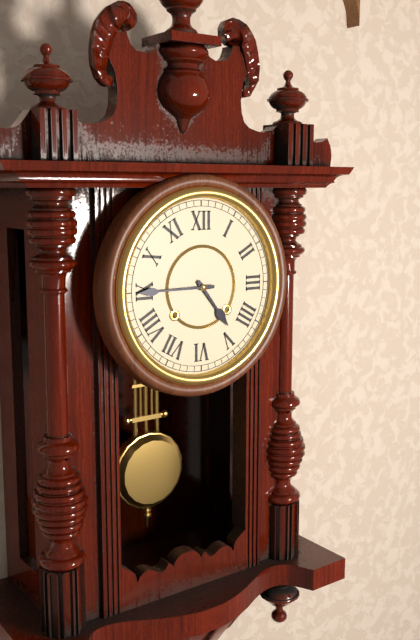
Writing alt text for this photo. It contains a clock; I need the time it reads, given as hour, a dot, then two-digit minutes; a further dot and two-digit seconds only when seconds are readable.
4.45
